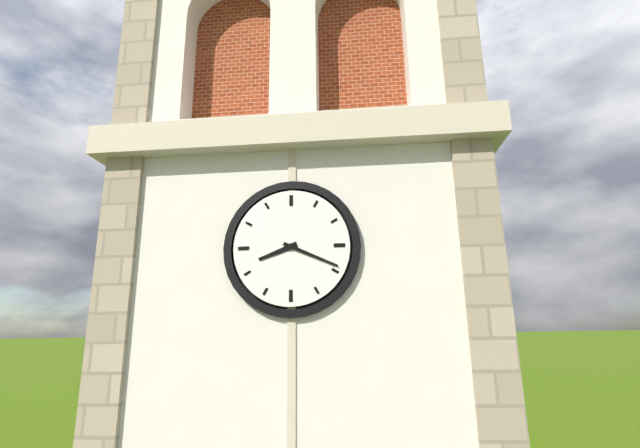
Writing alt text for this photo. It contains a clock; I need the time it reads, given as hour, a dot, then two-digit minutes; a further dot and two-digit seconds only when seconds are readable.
8.19
